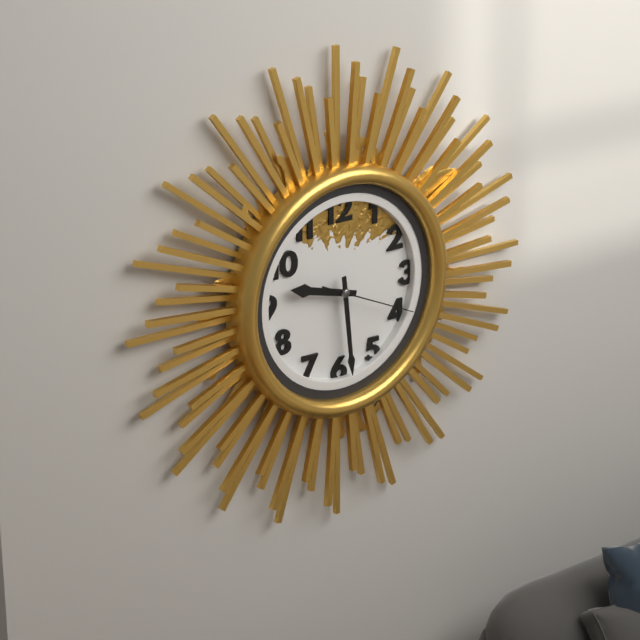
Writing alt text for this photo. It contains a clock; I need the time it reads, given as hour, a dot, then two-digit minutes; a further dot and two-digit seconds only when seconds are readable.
9.29.19
